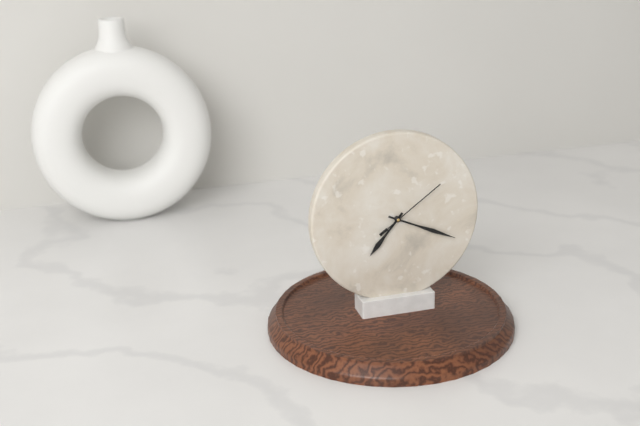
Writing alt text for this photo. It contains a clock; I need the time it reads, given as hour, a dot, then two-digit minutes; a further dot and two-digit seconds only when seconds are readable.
7.19.09
